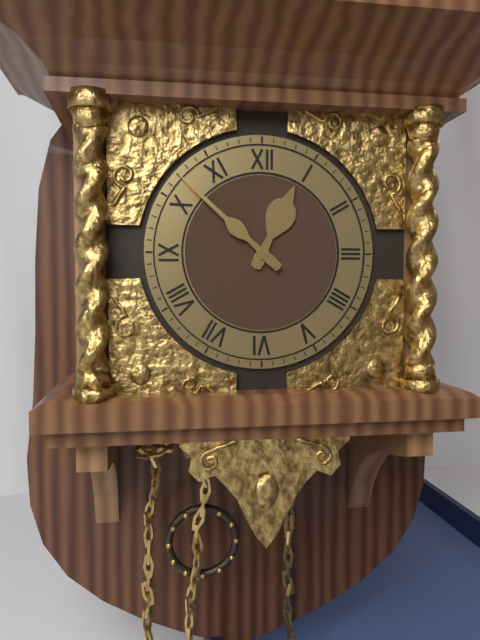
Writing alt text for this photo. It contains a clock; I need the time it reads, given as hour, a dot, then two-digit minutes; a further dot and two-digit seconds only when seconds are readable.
12.52
